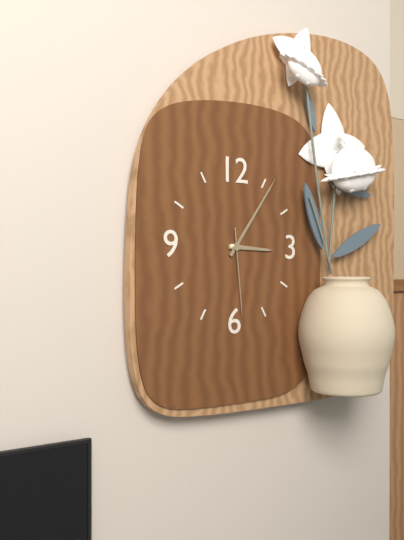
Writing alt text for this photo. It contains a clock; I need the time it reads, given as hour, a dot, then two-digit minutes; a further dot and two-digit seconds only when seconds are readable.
3.06.29
